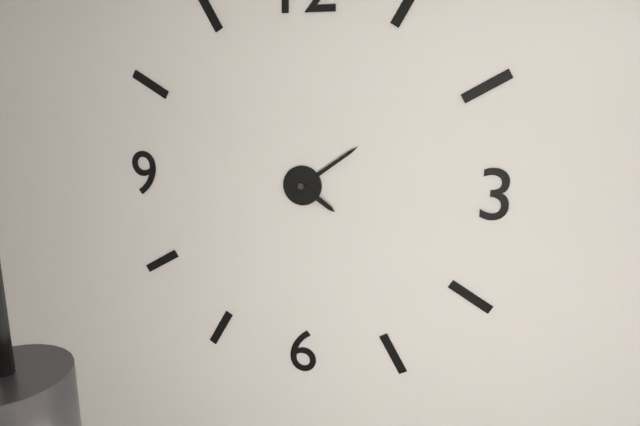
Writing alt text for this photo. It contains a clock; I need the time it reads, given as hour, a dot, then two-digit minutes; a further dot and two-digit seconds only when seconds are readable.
4.09
